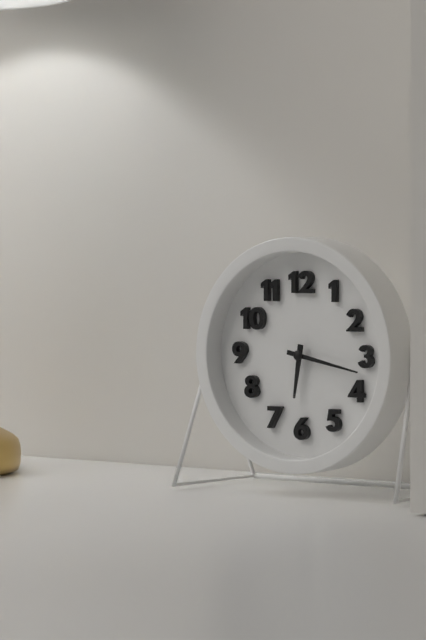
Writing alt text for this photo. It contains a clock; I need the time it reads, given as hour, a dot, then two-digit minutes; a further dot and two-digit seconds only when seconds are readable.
6.17
